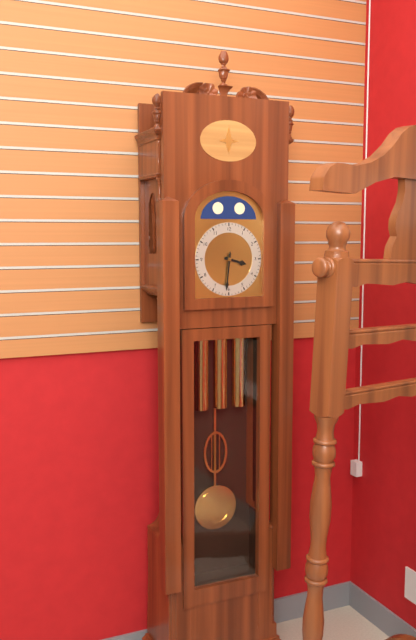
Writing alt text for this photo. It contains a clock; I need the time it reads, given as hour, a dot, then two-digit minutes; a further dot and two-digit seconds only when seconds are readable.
3.31
